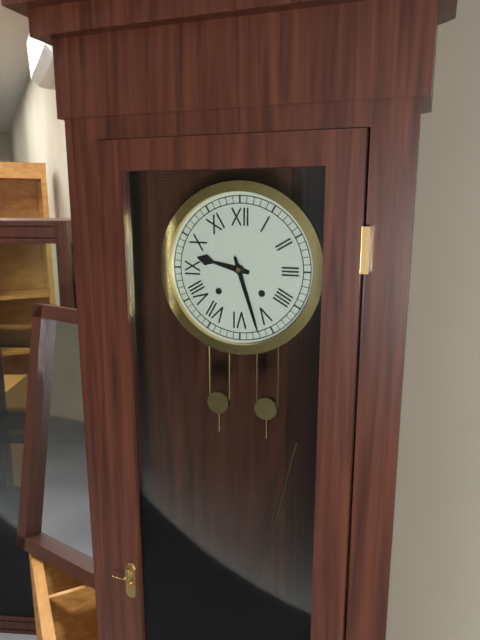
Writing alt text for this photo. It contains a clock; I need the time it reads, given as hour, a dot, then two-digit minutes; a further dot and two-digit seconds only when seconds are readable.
9.27
